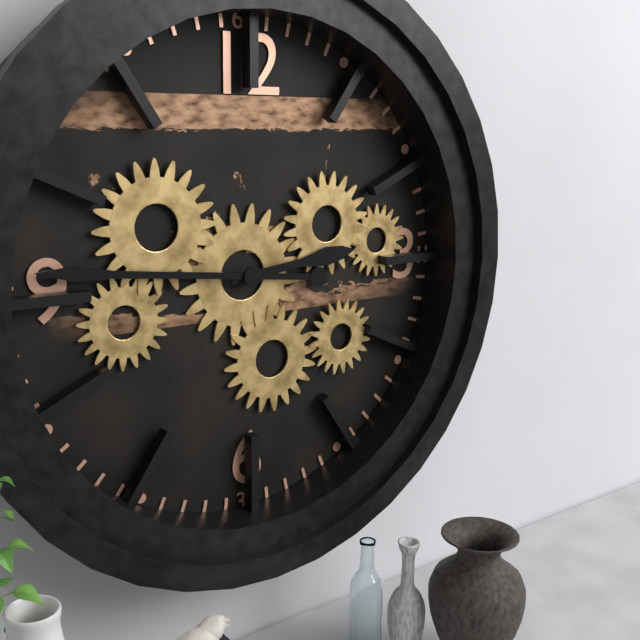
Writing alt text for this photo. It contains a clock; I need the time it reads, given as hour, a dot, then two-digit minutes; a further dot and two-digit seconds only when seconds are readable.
2.46
